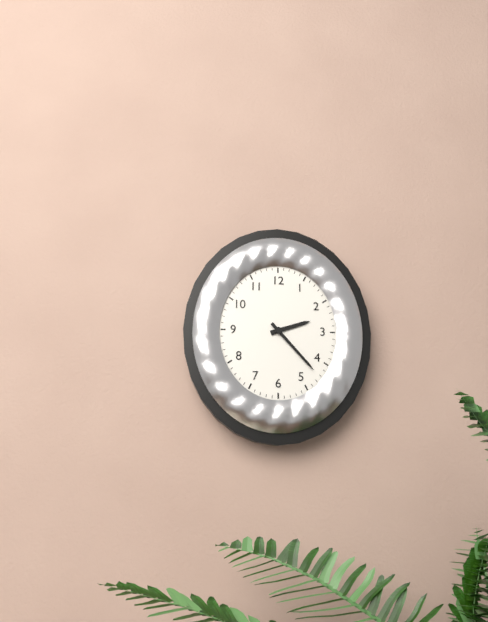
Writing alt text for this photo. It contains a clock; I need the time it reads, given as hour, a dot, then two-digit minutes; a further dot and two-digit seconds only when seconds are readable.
2.23
